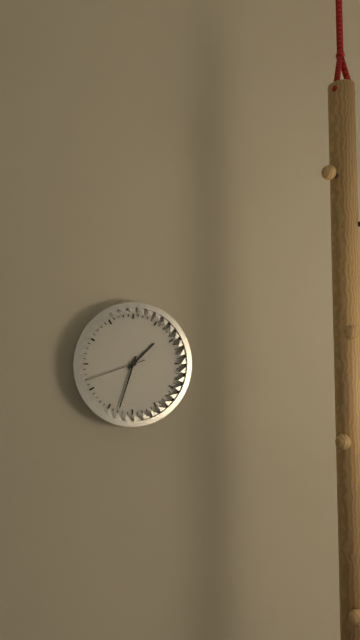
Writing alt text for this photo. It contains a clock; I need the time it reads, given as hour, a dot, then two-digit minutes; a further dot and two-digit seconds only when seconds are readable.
1.33.42
